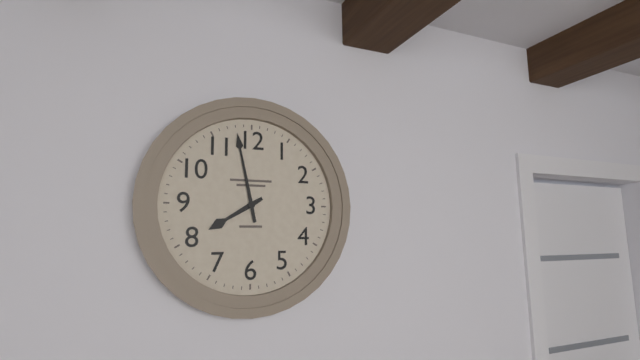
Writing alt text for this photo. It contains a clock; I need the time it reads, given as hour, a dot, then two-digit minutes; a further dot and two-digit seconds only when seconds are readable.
7.58
